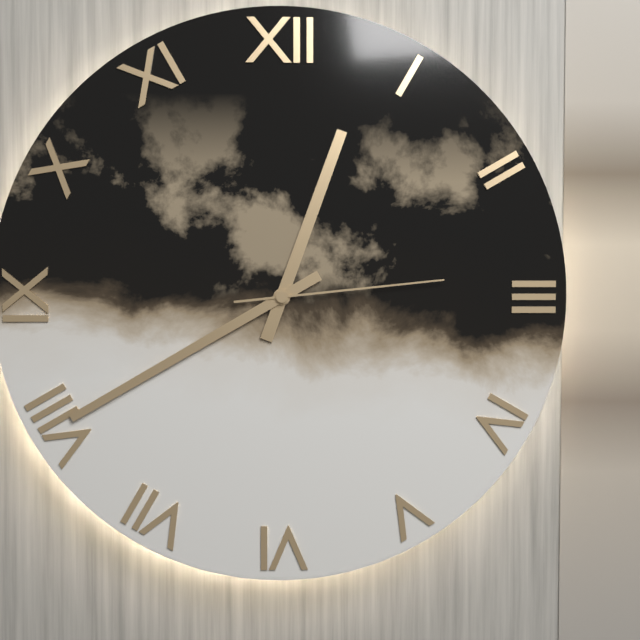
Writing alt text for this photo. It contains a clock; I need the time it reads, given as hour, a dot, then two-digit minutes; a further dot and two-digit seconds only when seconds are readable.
12.40.14
